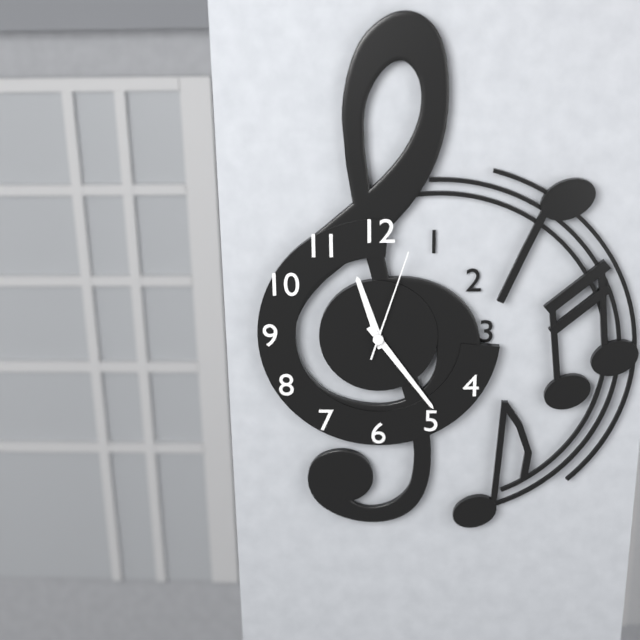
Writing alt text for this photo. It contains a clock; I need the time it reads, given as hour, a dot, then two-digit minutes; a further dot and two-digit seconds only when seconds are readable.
11.24.03
